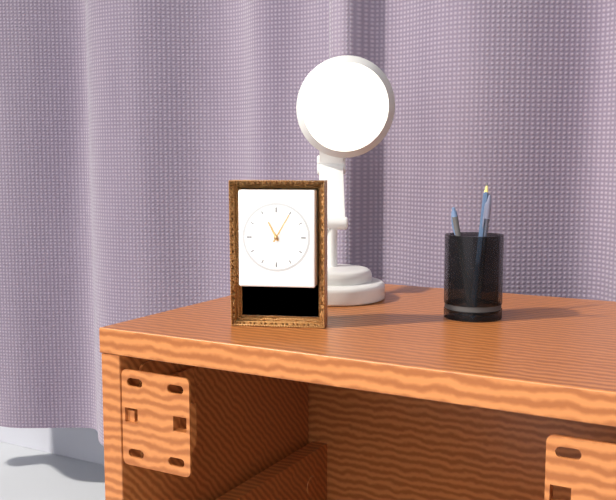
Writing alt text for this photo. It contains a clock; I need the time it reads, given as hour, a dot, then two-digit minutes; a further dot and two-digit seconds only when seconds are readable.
11.05
